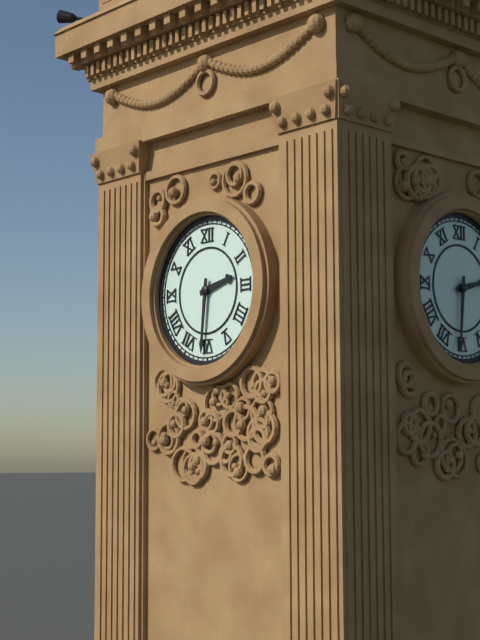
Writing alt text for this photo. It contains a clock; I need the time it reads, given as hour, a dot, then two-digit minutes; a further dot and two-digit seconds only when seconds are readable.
2.31
